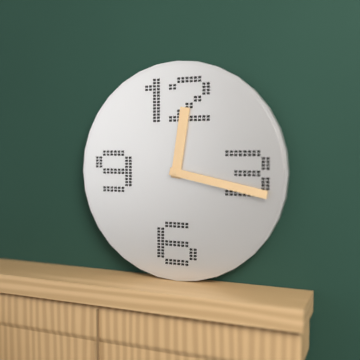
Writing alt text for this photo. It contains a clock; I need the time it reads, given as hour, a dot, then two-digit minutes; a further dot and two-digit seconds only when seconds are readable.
12.17
